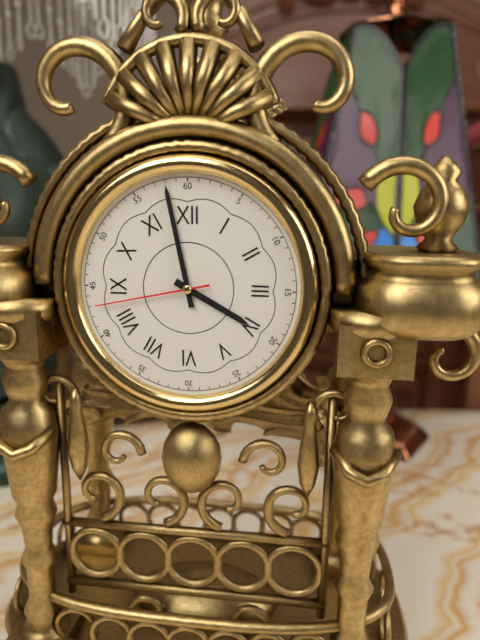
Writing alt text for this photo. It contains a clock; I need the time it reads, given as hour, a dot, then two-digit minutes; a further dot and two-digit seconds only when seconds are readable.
3.58.43
